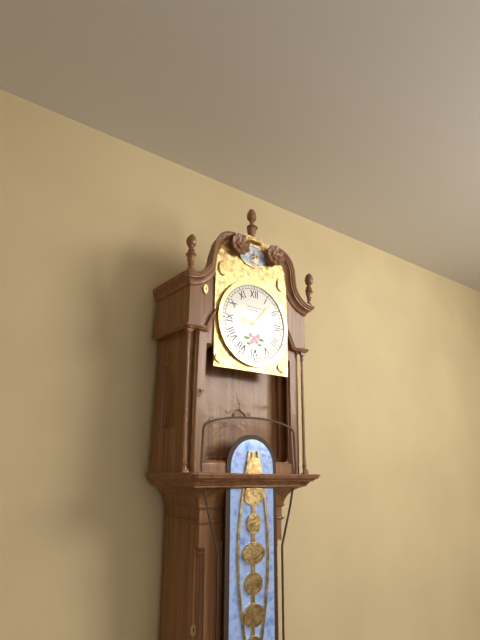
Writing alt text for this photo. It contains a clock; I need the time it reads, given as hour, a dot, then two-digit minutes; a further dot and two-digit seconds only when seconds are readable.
9.07
